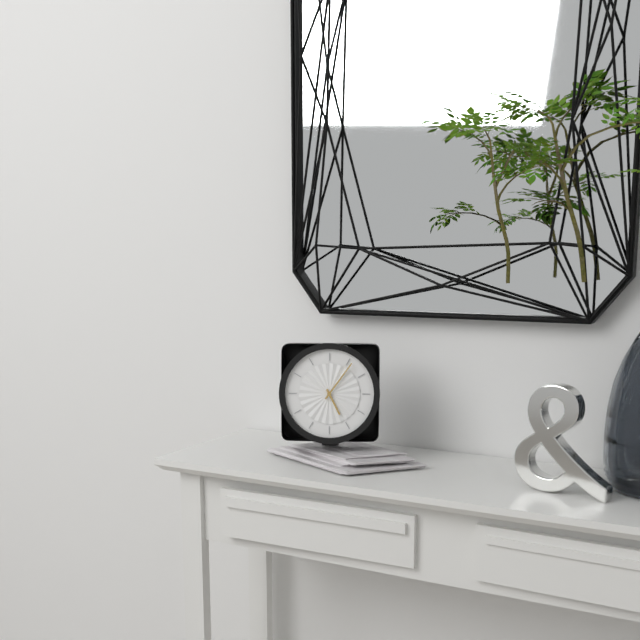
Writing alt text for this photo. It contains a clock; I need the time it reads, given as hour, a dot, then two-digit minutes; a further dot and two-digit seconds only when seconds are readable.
5.06
